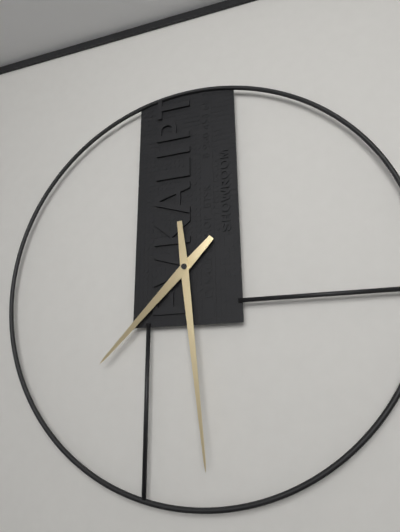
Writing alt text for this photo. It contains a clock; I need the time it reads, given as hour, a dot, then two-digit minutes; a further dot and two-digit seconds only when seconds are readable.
7.29
